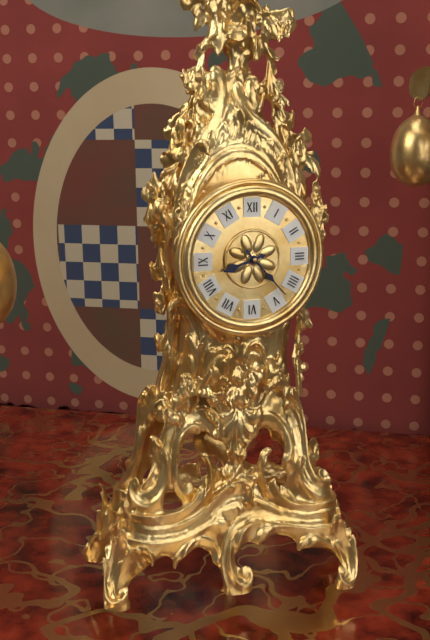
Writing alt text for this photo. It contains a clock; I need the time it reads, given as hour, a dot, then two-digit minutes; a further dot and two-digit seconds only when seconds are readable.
8.23
